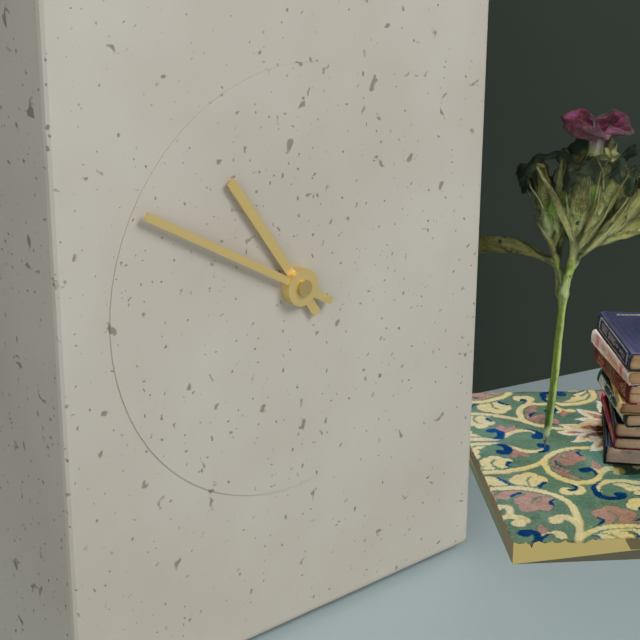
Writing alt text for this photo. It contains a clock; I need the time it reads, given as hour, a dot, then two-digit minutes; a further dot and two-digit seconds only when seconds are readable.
10.50
